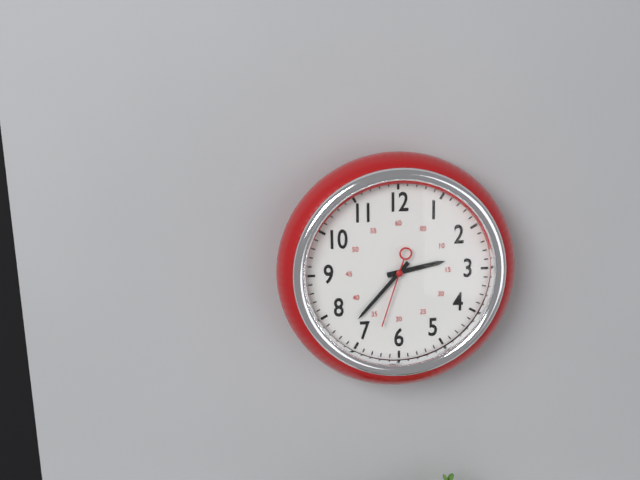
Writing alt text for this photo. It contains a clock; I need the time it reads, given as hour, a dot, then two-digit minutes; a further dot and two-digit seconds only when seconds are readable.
2.37.33
